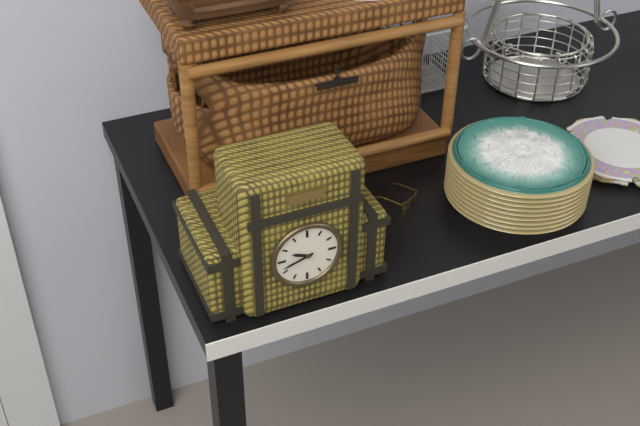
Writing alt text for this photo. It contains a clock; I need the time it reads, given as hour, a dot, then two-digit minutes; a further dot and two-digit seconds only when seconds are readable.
9.42
